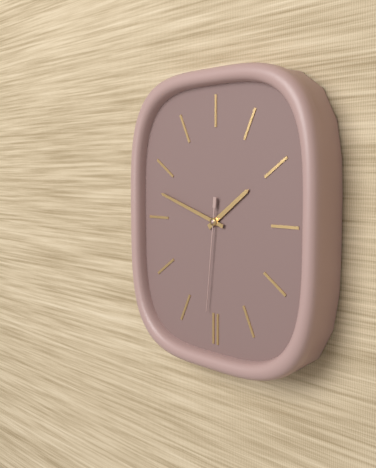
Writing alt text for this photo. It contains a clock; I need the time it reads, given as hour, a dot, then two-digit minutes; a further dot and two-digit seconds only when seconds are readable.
1.48.31
